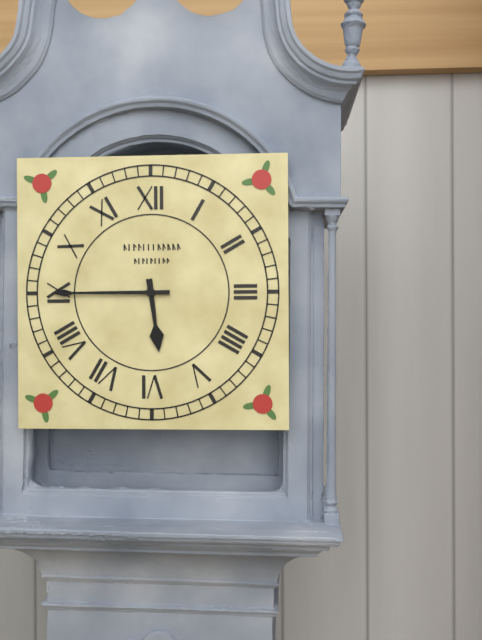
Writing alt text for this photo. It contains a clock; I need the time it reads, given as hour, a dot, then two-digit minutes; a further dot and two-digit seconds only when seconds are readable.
5.45
